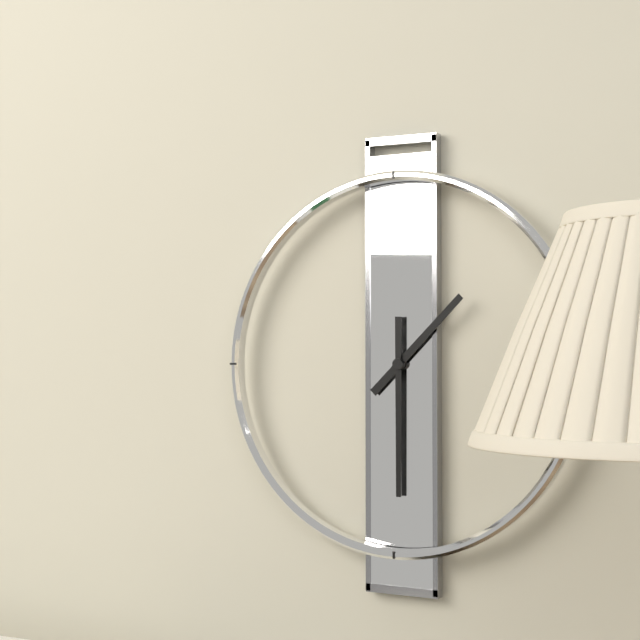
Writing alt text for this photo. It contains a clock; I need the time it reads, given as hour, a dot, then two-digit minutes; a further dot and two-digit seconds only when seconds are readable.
1.30
